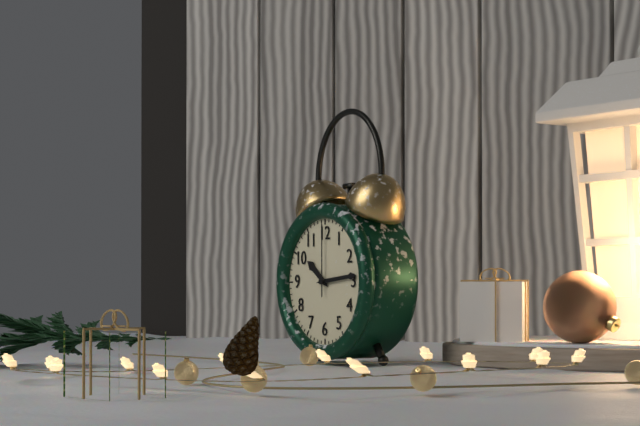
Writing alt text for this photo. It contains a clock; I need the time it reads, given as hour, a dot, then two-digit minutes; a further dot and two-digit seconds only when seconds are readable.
10.14.00
